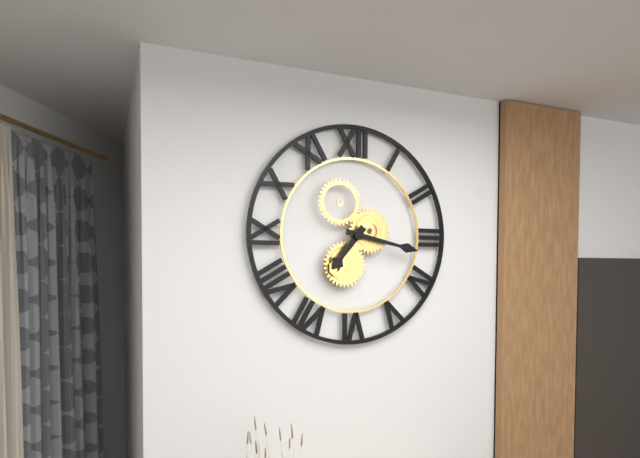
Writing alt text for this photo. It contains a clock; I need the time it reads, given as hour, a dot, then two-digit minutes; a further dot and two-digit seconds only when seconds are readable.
7.17
